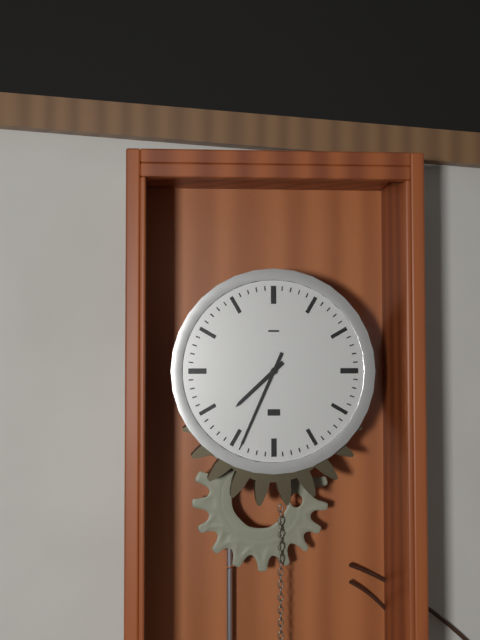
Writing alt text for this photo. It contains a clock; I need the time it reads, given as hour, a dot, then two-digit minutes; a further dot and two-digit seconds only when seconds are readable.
7.34
